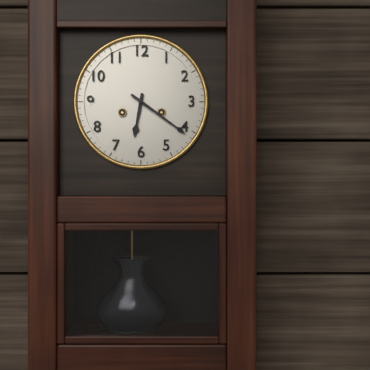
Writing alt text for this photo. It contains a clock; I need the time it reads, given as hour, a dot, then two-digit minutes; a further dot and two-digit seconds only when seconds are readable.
6.21
